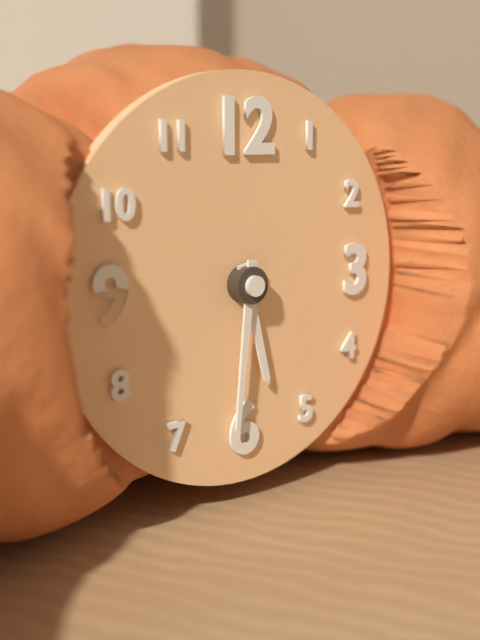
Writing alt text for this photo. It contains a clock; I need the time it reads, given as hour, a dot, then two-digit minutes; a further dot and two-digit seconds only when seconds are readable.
5.31
